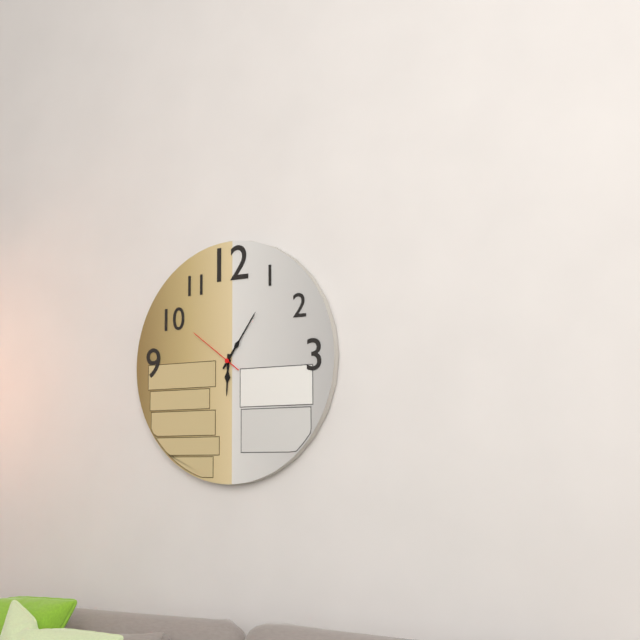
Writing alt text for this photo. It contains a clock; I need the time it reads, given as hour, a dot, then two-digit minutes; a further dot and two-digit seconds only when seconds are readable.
6.06.51
